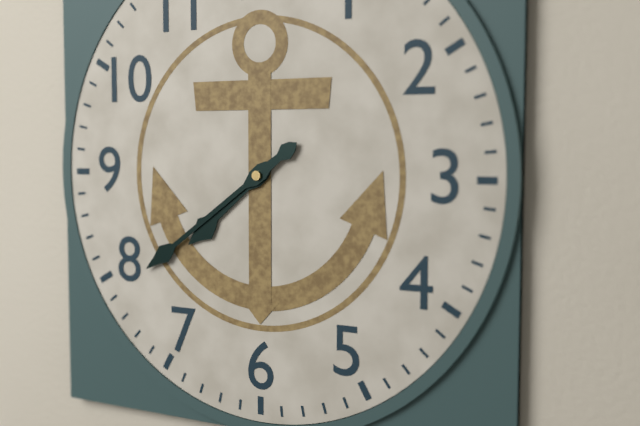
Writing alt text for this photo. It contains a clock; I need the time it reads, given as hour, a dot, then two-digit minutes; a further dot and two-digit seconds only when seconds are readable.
7.39
